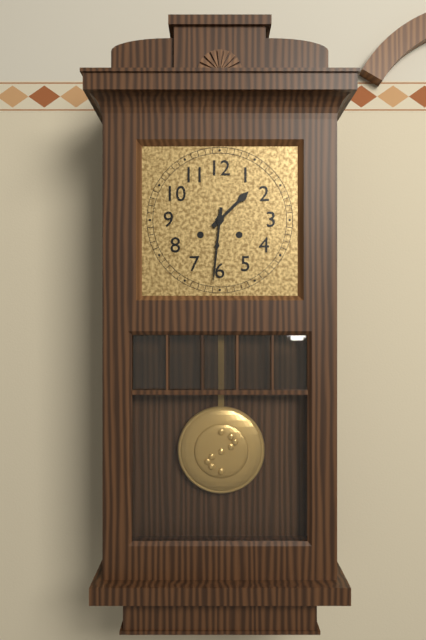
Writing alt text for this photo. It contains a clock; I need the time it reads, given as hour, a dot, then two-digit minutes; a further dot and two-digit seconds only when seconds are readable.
1.31
